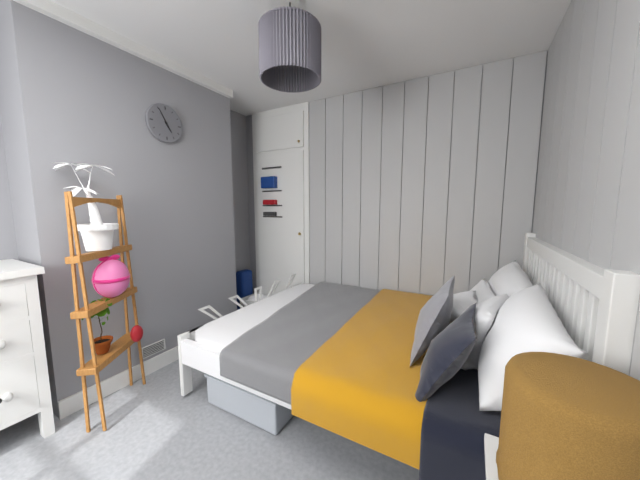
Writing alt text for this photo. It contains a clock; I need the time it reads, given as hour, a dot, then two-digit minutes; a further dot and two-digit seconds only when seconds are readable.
4.55
